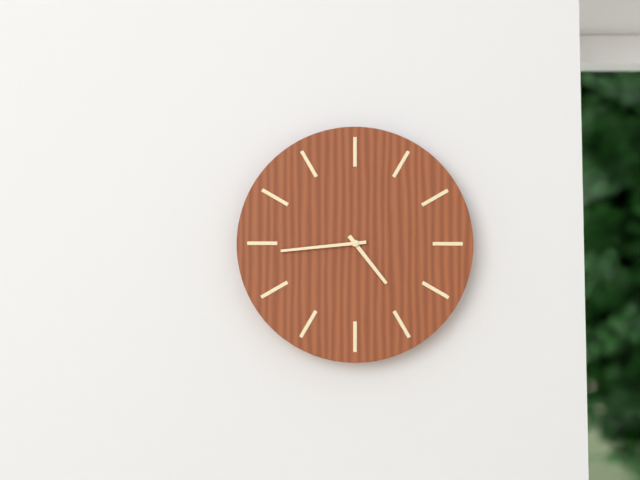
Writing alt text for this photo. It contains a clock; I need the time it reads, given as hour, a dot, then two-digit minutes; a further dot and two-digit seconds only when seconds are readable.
4.44
